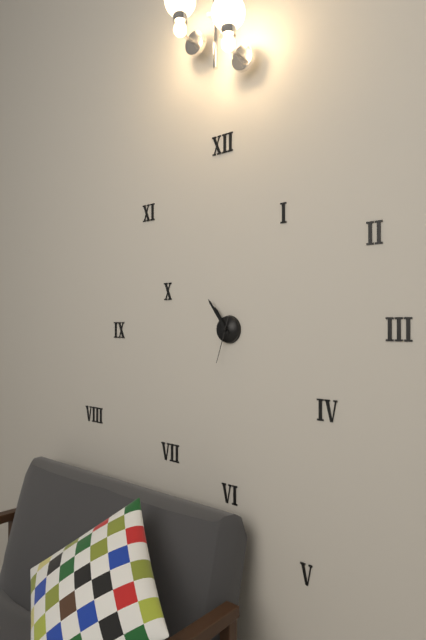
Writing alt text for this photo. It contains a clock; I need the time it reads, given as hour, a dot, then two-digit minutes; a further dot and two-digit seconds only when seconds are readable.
10.54
